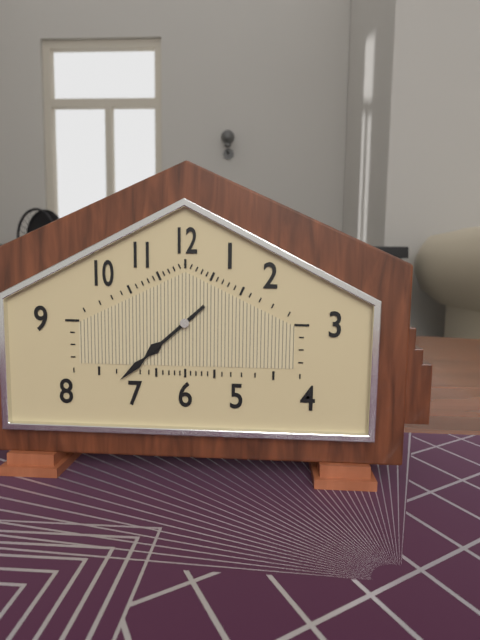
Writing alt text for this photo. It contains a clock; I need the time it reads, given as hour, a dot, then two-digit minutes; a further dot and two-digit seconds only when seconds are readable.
7.38
